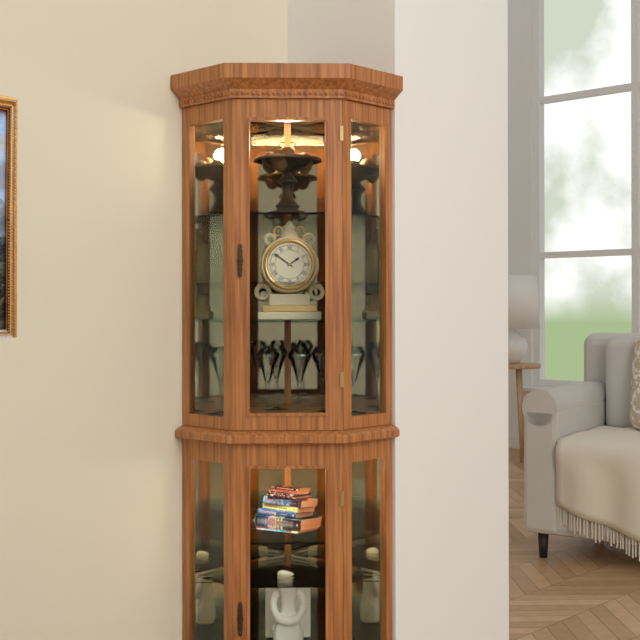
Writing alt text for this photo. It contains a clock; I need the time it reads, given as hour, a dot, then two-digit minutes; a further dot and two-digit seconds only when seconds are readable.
1.51
